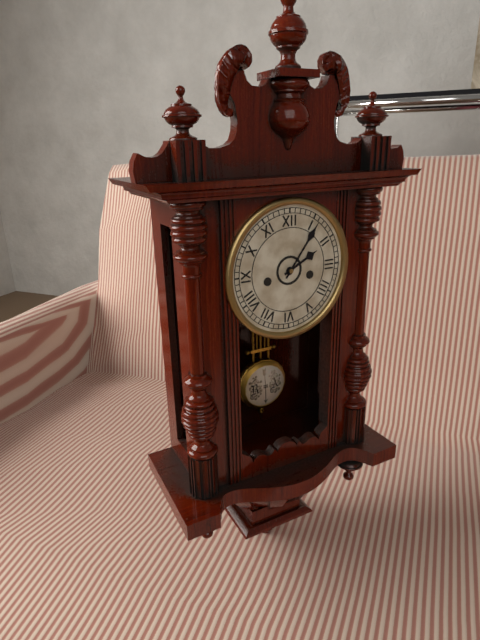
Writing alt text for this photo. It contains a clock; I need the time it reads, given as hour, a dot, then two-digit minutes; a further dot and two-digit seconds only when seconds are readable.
2.06
